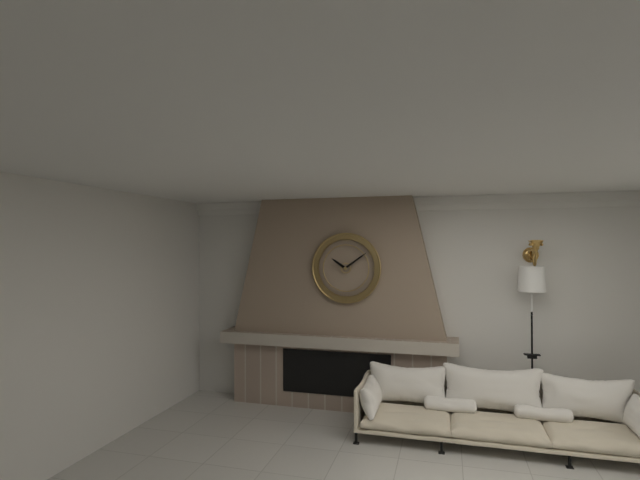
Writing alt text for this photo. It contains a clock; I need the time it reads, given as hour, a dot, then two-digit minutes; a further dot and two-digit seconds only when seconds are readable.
10.09
